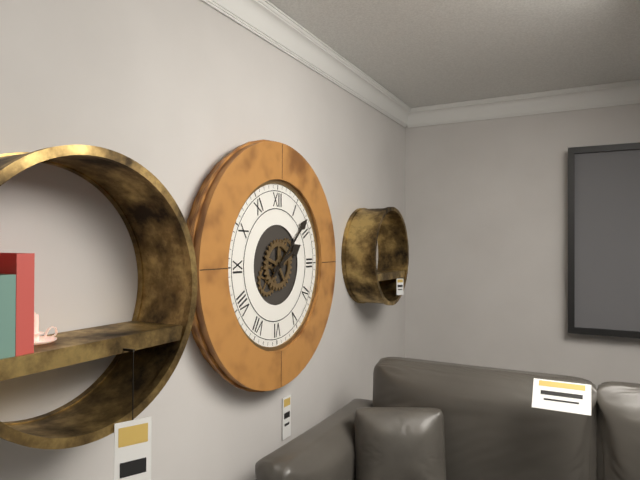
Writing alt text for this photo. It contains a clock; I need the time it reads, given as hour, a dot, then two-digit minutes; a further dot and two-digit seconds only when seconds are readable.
2.08
